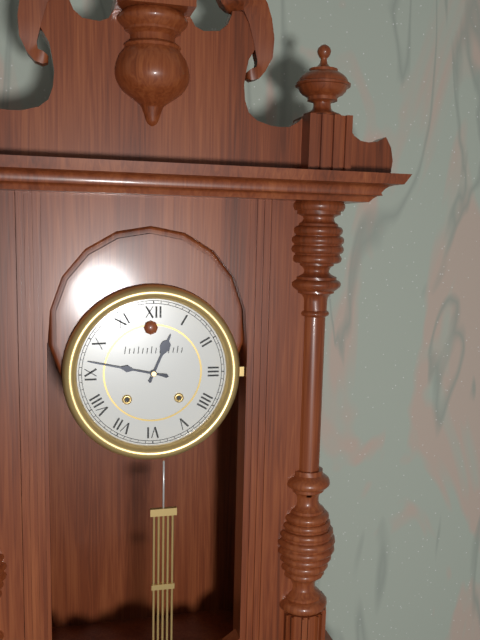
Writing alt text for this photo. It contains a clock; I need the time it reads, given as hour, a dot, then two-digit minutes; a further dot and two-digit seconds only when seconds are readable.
12.47
